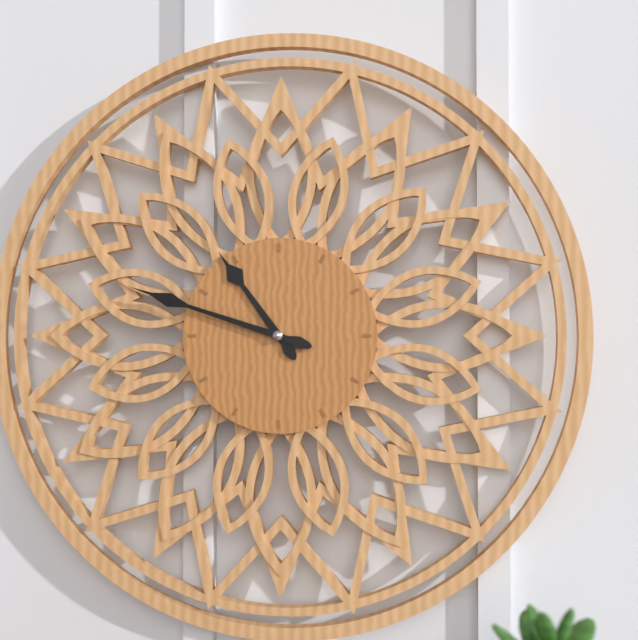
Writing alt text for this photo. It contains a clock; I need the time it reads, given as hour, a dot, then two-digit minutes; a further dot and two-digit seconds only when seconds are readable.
10.48
